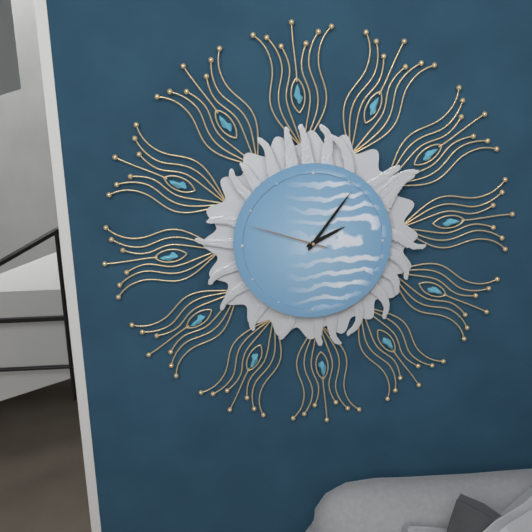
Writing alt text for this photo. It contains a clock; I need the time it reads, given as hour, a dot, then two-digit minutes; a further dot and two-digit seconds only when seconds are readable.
2.06.48
